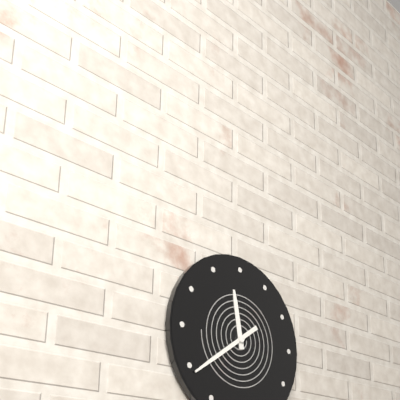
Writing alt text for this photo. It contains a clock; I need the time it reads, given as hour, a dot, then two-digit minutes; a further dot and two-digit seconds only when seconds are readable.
11.39
